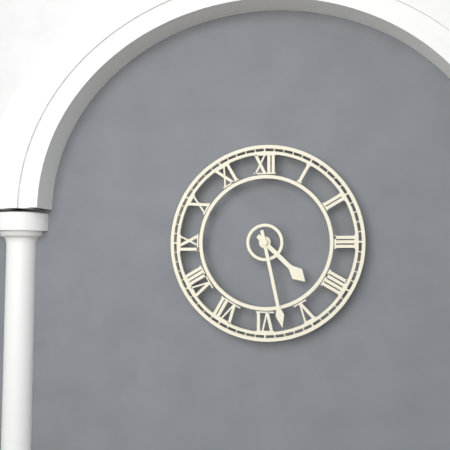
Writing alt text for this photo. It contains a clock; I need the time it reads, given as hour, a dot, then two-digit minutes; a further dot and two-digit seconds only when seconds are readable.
4.28
